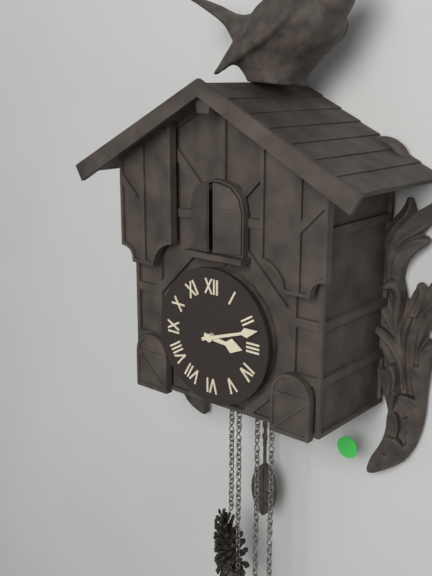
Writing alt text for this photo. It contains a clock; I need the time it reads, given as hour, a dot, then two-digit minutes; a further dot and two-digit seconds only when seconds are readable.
3.12
